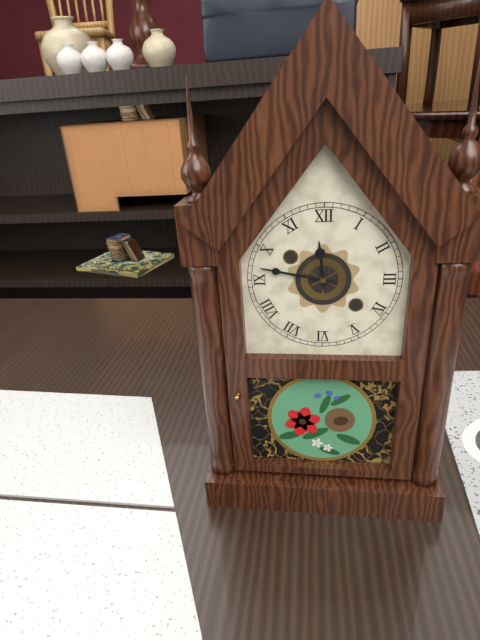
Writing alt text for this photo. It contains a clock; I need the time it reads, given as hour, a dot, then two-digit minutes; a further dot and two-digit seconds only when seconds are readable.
11.47
